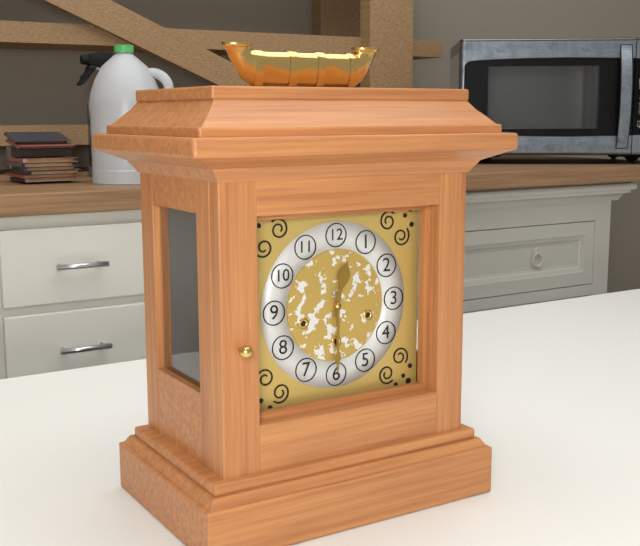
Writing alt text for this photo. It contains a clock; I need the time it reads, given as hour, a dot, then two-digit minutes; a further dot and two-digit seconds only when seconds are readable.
12.30
